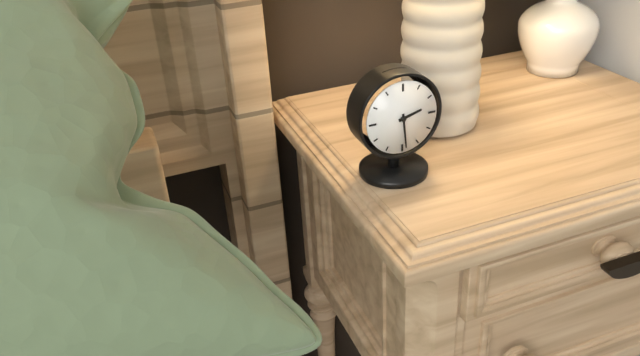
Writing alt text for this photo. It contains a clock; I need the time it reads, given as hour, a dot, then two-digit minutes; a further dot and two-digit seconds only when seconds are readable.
2.29
